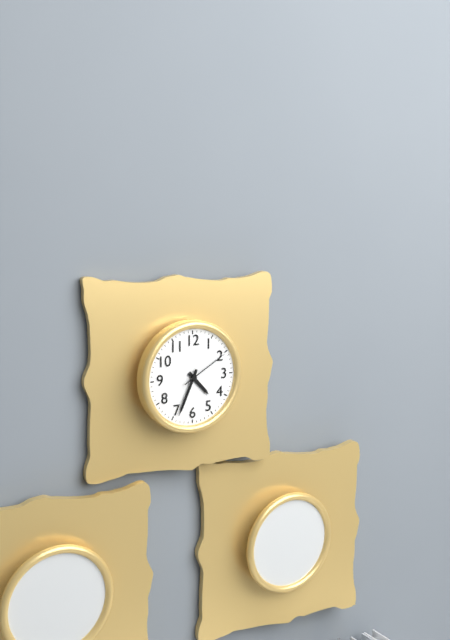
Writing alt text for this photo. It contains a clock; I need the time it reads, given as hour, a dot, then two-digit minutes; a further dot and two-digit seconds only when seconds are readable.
4.34.10
